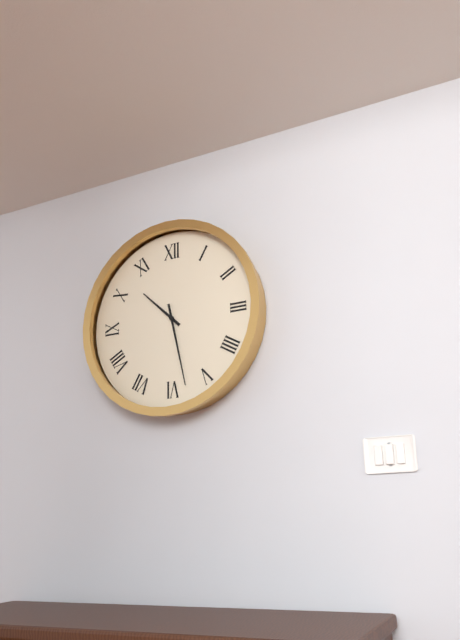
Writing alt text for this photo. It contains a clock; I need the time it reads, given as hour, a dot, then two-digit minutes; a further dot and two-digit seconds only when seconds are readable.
10.28
